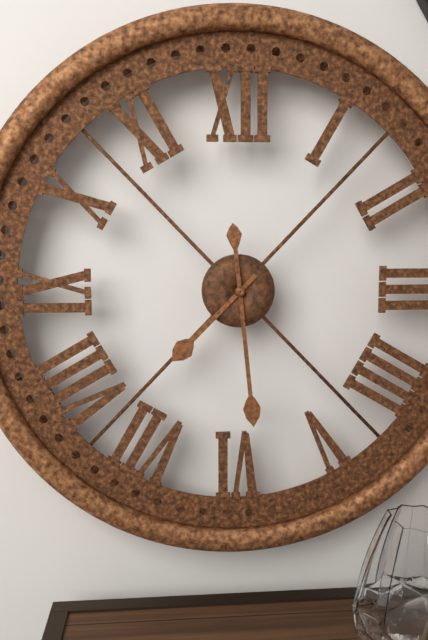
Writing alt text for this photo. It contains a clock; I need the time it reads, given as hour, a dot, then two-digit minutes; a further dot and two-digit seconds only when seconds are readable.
7.29
